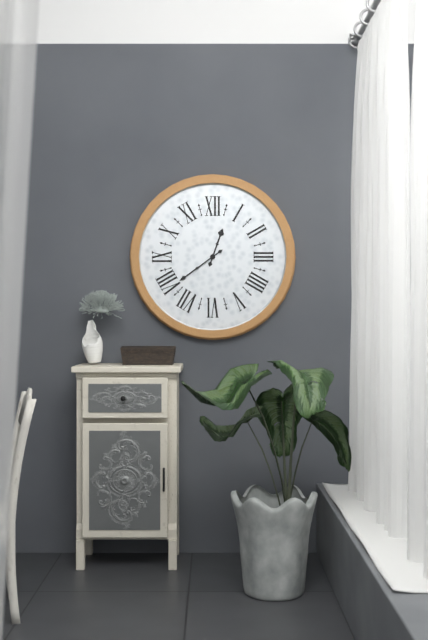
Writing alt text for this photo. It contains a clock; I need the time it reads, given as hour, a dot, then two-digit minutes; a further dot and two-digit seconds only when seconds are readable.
12.39
